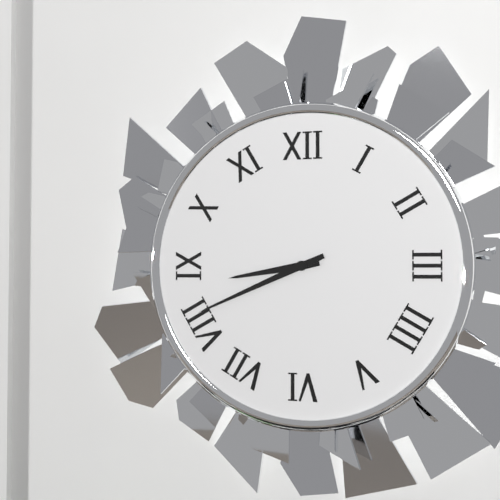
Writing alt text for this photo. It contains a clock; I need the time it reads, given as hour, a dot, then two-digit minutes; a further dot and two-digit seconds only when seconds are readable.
8.41
